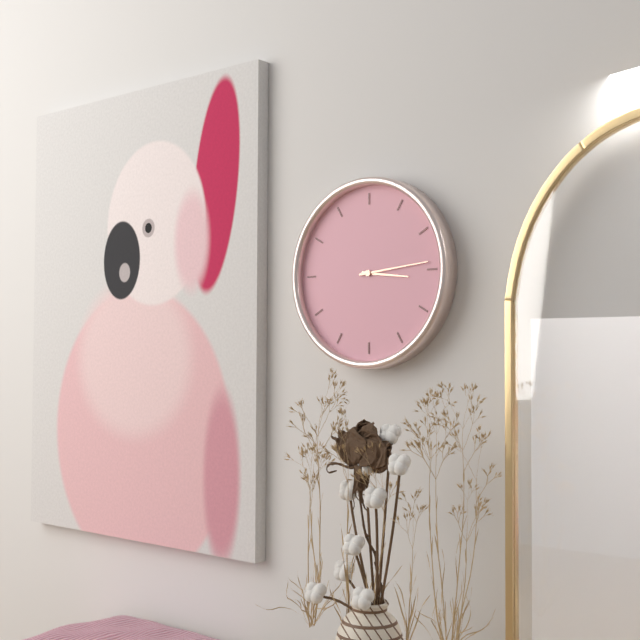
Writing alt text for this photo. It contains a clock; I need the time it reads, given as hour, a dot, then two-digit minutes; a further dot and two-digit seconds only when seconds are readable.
3.14
